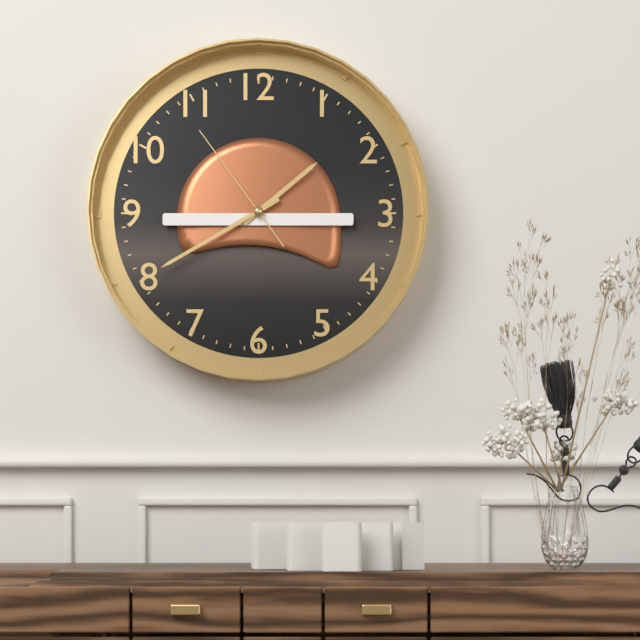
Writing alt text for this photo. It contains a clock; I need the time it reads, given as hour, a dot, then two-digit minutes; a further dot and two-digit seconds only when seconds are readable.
1.40.54
